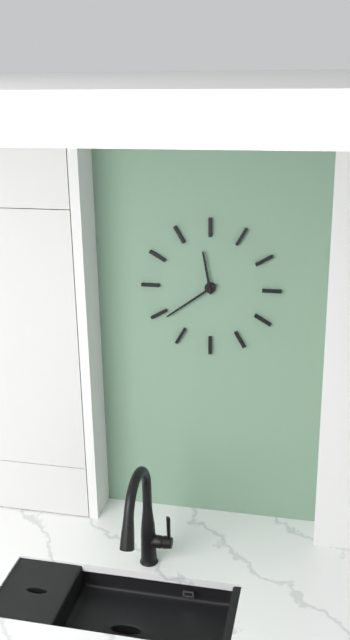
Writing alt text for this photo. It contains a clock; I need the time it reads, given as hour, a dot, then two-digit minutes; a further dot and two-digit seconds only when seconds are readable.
11.39
